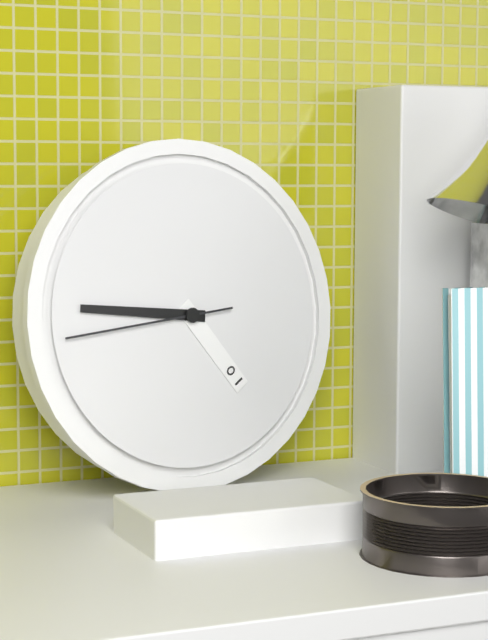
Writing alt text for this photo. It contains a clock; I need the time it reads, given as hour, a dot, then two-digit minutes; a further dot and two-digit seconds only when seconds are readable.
4.46.44
